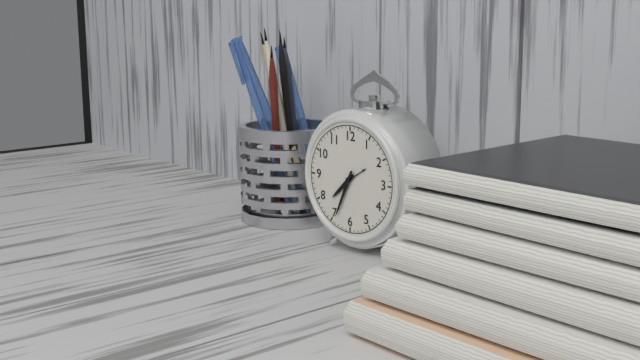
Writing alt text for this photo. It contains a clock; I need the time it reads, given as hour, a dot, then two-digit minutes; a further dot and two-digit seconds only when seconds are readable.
7.34
